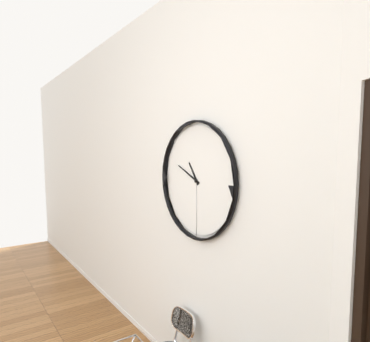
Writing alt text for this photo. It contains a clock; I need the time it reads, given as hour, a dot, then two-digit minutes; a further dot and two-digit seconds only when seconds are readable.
10.49
